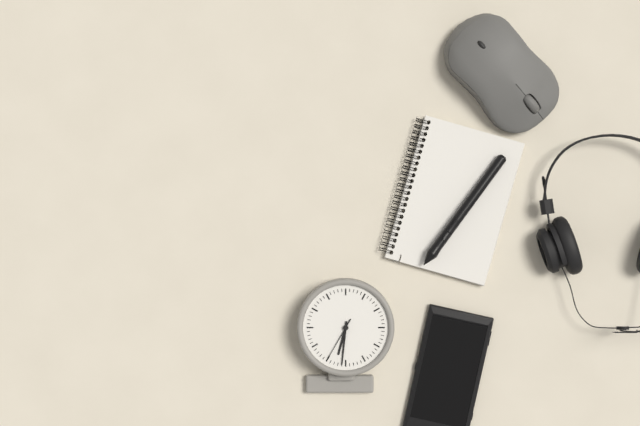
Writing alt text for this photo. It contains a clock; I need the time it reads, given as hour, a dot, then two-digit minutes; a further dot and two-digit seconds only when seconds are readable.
6.31
